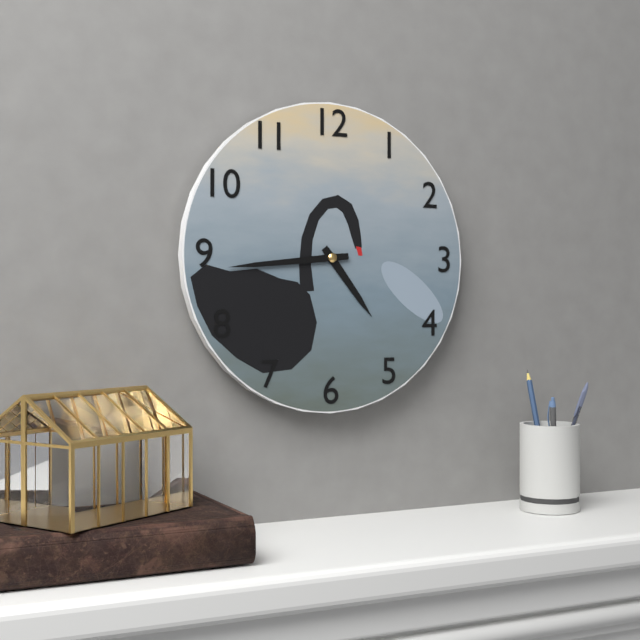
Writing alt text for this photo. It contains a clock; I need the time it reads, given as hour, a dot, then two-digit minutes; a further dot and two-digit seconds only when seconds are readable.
4.44
